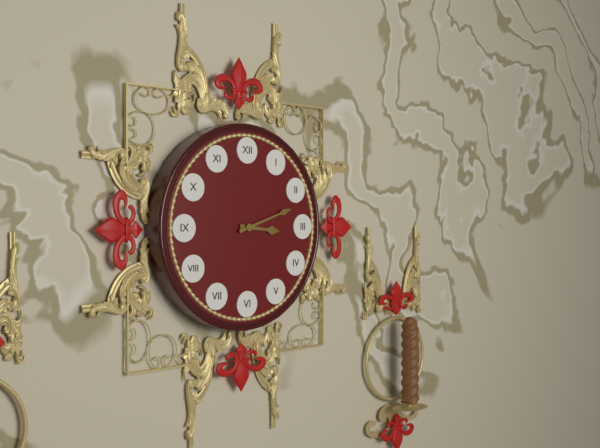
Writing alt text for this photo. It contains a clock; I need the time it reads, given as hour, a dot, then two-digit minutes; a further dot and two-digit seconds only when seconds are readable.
3.12
